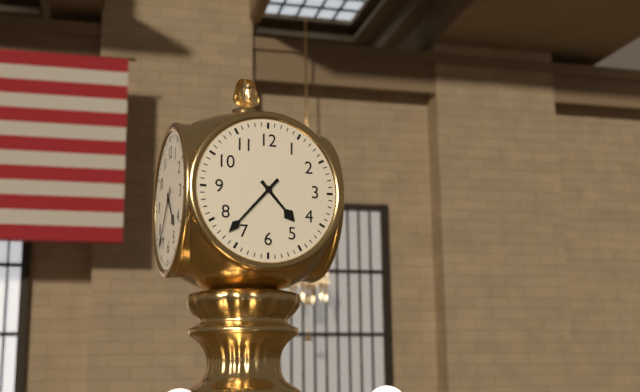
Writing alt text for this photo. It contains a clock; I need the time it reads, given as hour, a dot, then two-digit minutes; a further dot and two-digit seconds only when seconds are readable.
4.37
